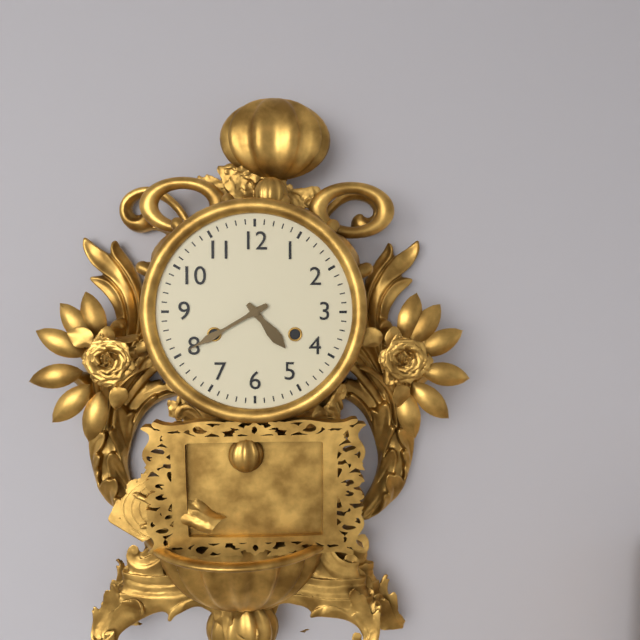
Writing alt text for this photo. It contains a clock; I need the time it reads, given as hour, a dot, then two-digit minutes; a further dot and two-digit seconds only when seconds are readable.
4.40
